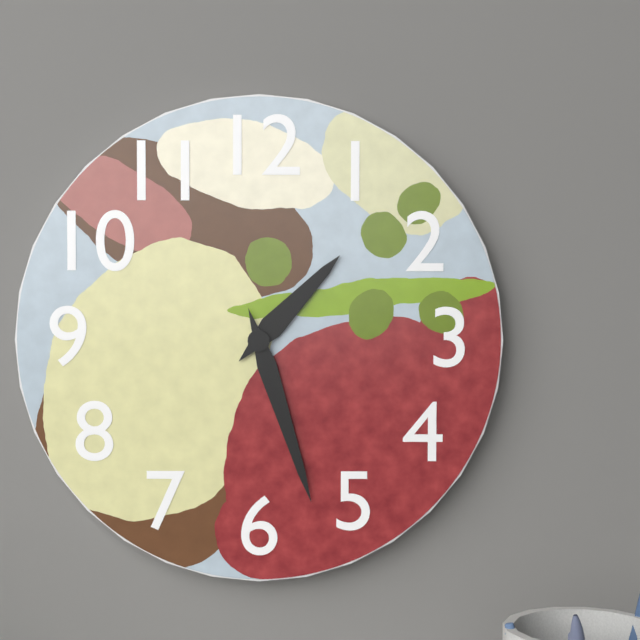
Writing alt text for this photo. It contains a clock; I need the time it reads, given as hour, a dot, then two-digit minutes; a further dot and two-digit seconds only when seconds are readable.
1.27
